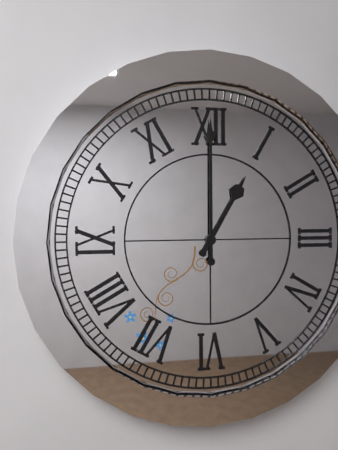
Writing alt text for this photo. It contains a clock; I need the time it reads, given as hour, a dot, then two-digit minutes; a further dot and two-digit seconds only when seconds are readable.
1.00
